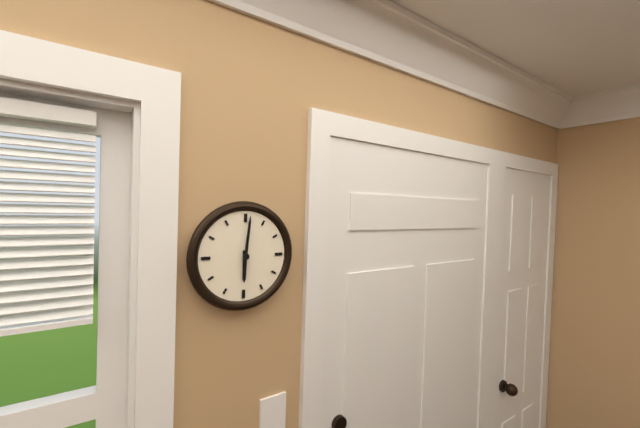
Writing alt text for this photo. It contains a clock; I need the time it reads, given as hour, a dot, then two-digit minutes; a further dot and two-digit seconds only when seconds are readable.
6.01
